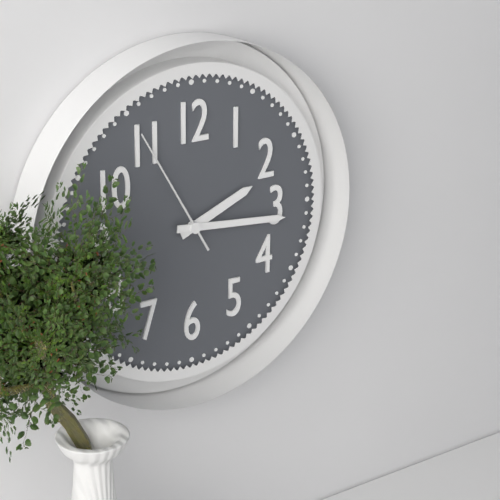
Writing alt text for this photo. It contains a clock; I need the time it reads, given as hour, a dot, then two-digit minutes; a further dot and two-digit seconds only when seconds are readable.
2.16.55
